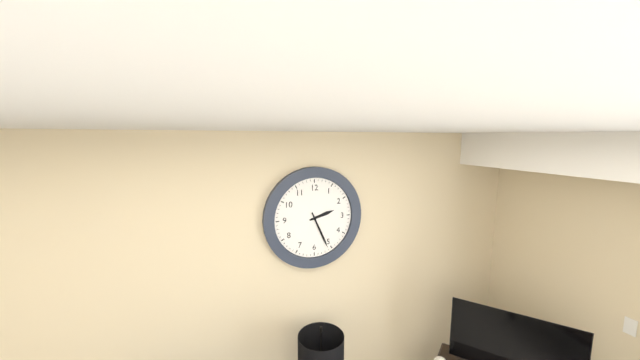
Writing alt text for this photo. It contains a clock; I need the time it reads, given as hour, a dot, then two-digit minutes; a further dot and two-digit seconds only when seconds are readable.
2.26
